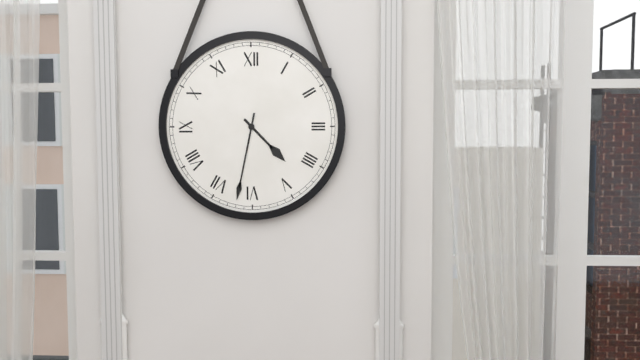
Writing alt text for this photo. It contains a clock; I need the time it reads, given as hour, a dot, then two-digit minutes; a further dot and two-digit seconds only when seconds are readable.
4.32
